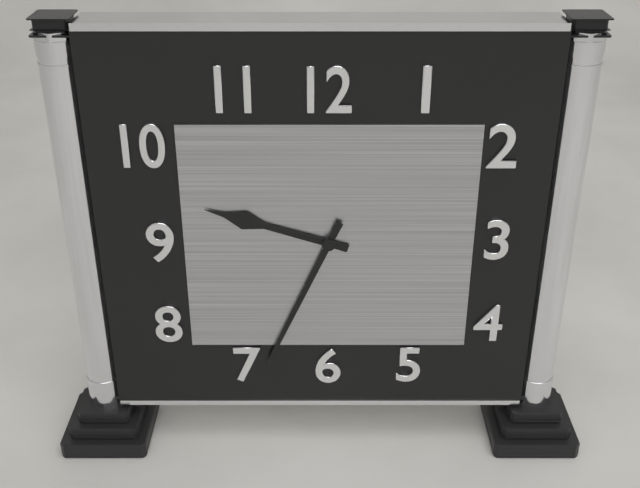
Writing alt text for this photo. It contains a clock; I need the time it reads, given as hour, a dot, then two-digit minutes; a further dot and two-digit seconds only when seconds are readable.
9.34
